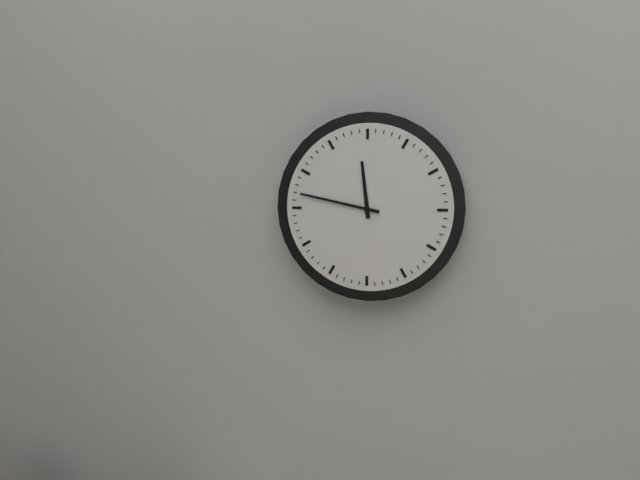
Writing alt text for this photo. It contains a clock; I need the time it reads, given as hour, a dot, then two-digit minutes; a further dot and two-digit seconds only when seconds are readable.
11.47
